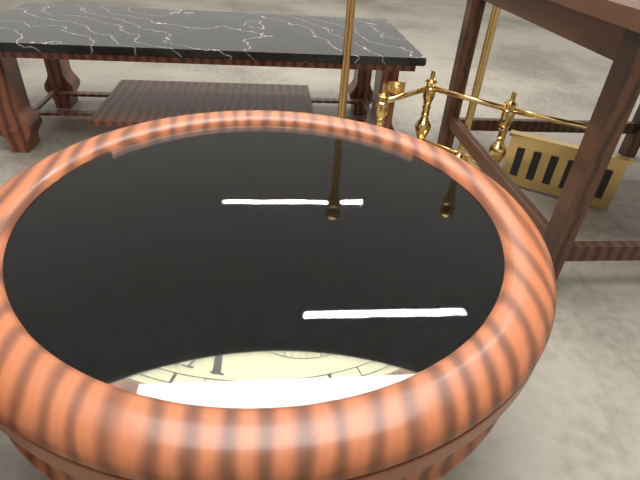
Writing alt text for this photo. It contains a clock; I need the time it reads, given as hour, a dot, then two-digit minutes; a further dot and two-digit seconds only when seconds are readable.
1.12.12
